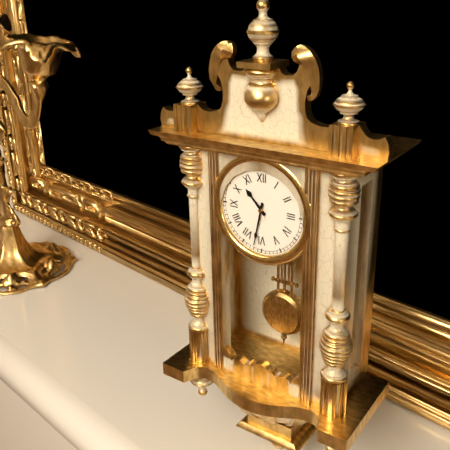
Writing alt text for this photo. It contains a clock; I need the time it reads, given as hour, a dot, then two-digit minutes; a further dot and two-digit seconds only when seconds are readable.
10.32
